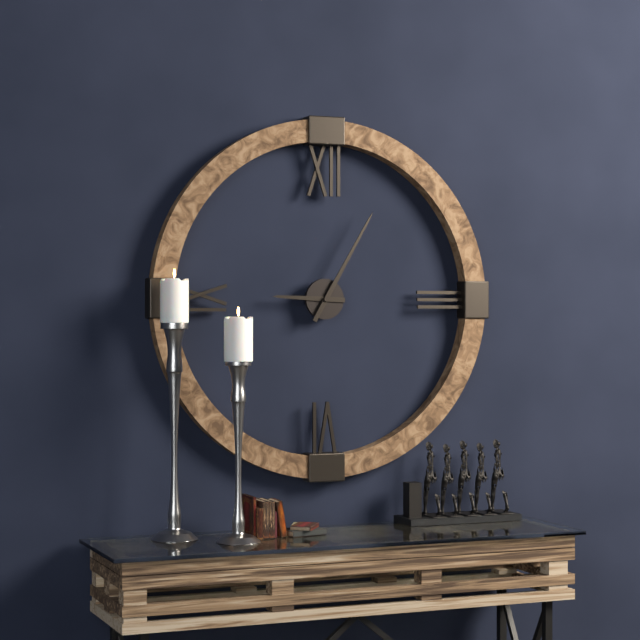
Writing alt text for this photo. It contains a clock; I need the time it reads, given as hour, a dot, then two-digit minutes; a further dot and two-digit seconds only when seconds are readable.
9.05
